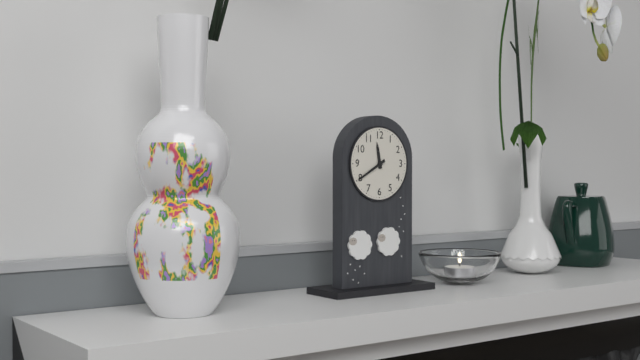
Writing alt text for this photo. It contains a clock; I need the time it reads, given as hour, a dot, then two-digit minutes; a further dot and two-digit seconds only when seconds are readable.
11.40
